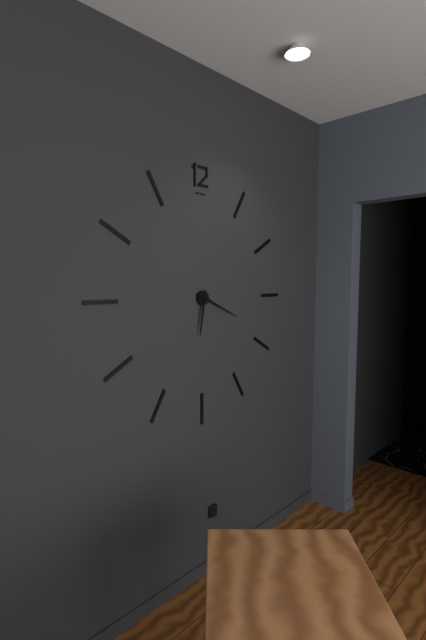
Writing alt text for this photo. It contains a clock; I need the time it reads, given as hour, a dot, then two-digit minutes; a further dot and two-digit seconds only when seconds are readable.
6.19
